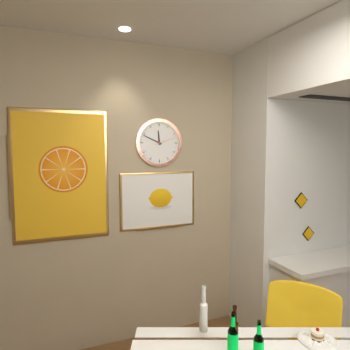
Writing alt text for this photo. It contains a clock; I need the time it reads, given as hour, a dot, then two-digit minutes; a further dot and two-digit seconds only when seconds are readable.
11.49
